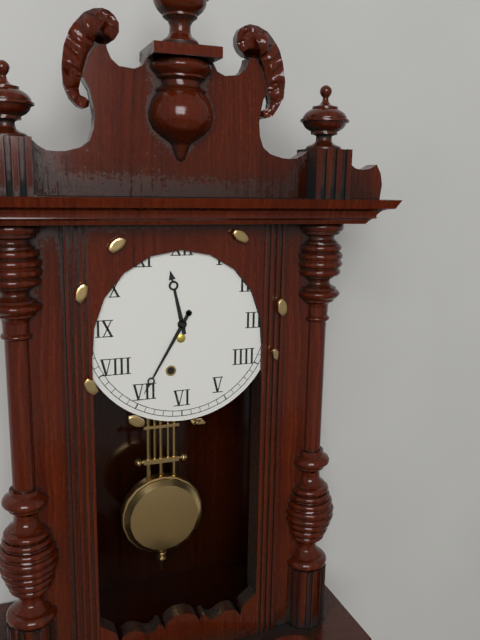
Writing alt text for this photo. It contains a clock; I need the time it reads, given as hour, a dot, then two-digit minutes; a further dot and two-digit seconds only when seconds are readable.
11.35
